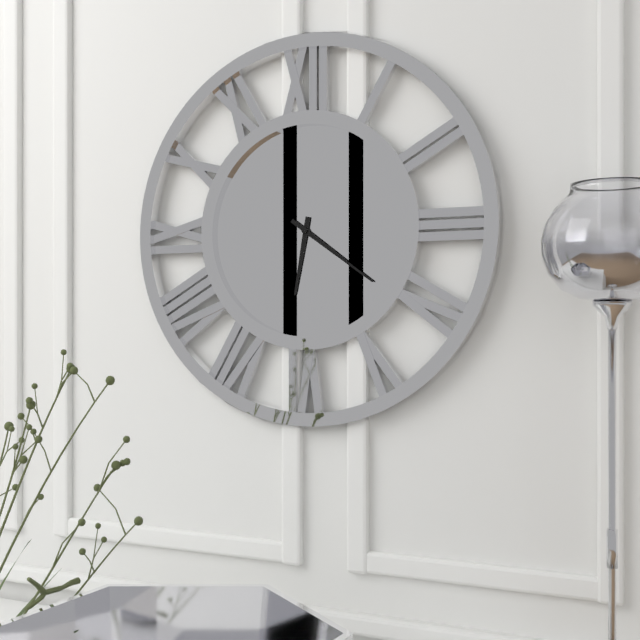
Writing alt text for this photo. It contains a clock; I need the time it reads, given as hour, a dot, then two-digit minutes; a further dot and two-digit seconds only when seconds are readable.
6.21
